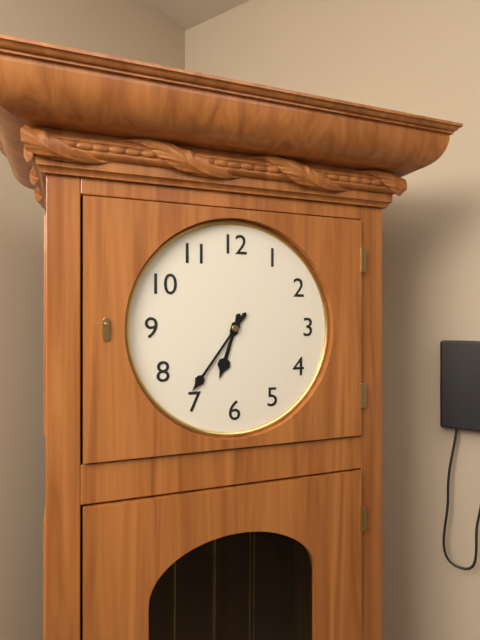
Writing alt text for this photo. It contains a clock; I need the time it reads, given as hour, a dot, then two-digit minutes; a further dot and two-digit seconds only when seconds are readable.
6.36
